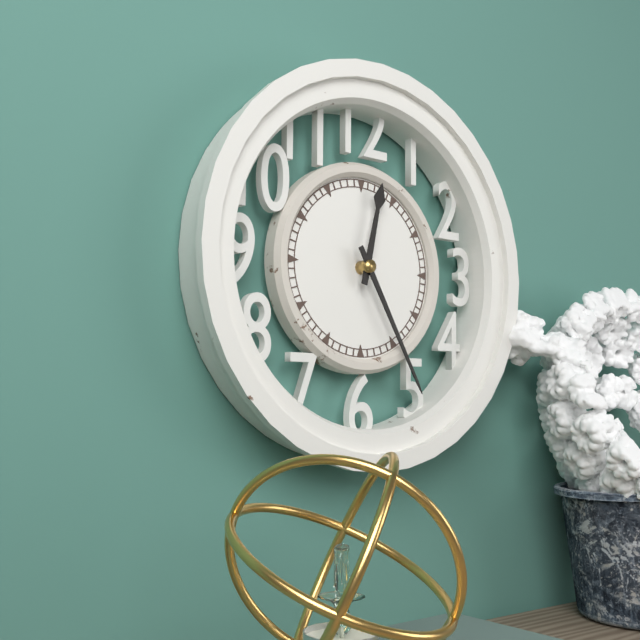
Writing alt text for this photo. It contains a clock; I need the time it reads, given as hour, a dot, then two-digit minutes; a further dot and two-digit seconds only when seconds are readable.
12.25
